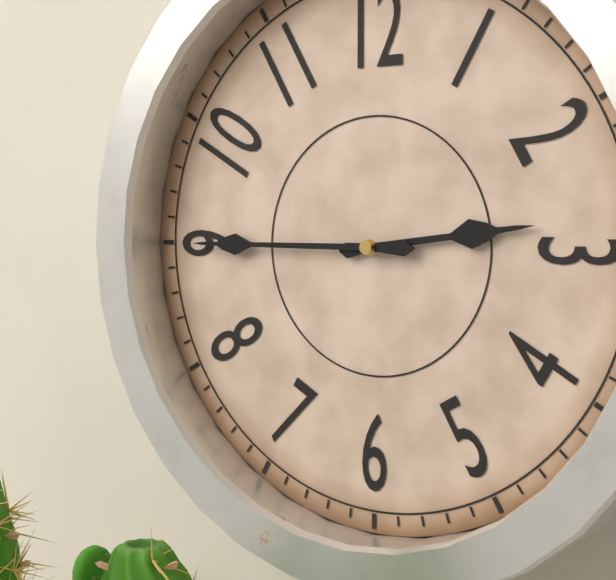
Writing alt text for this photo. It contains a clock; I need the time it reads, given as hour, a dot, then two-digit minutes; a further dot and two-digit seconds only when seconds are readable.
2.45
